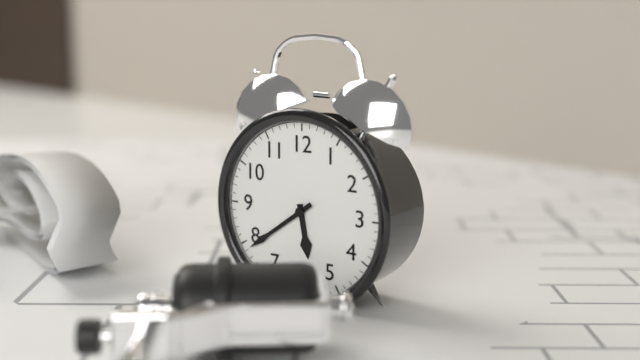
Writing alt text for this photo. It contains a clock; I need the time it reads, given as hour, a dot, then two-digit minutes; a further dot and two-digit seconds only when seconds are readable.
5.39
